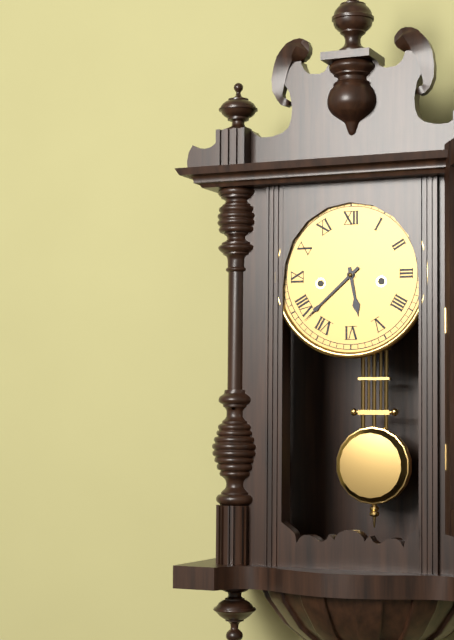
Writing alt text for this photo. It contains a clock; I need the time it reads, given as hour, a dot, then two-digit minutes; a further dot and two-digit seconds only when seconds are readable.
5.38
